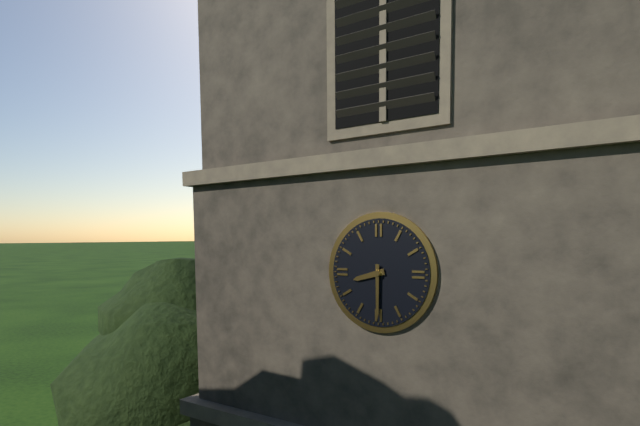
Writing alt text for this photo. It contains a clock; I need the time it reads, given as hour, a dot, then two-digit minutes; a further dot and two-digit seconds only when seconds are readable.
8.30
